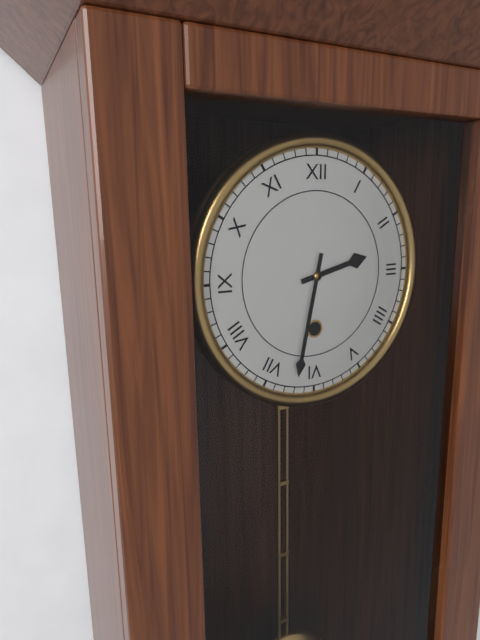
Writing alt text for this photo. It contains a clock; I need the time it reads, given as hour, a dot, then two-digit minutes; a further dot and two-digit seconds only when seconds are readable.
2.32
